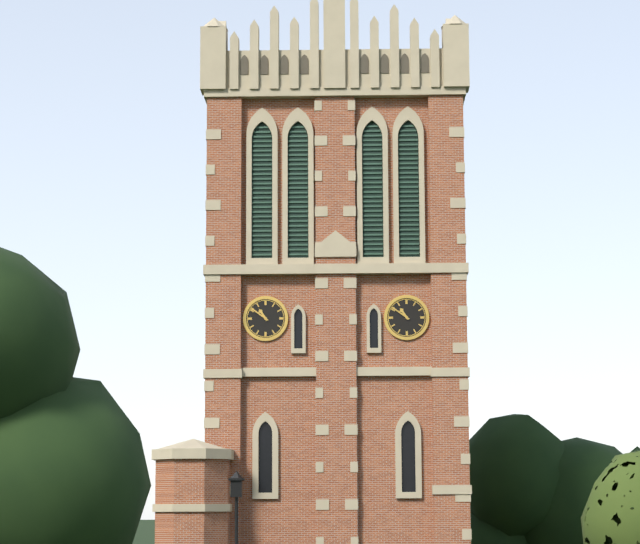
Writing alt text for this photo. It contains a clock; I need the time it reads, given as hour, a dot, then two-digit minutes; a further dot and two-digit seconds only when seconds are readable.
10.51
